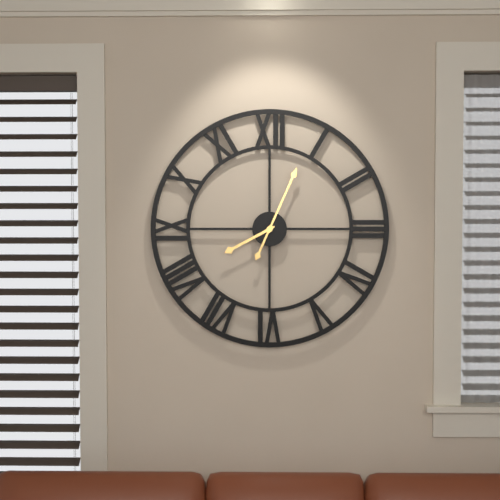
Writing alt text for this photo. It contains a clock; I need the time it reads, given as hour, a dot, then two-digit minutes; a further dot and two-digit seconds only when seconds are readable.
8.04
